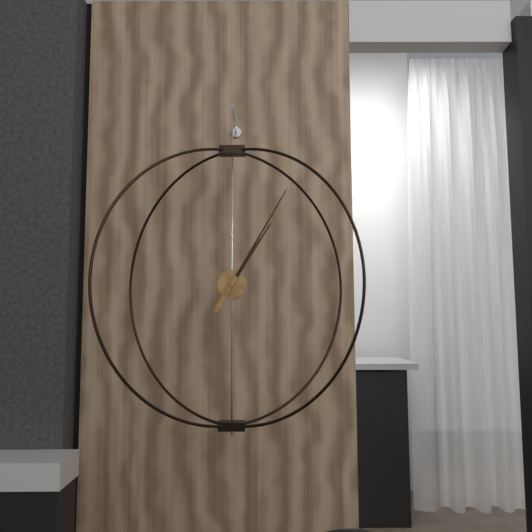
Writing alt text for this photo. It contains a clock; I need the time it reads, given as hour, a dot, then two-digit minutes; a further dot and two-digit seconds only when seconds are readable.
1.05
